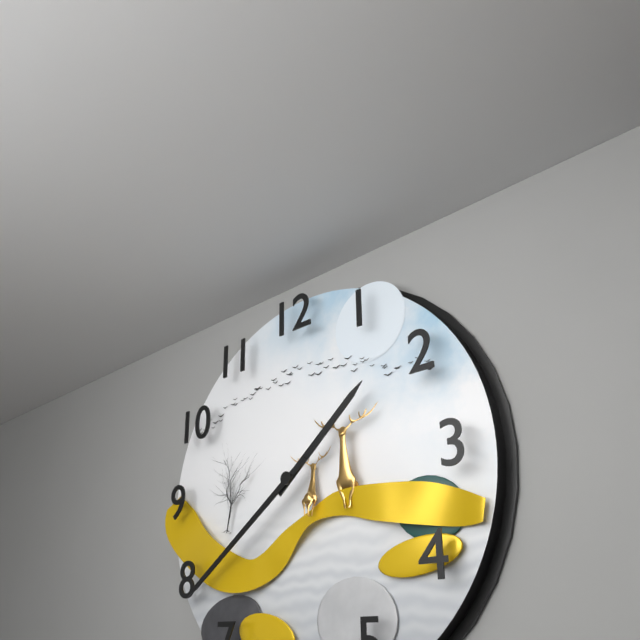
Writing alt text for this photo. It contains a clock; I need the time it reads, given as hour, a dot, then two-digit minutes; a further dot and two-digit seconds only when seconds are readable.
1.39
